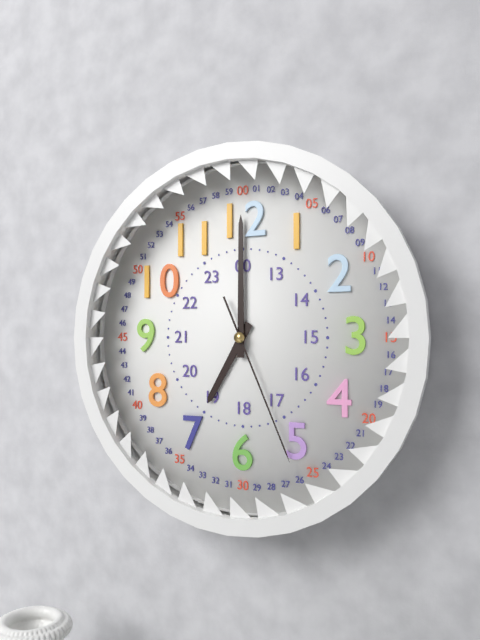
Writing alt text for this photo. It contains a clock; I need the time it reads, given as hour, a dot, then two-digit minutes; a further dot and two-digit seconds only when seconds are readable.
7.00.26
